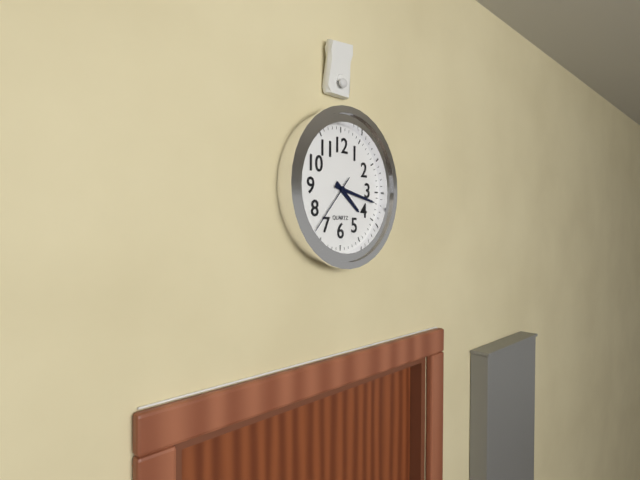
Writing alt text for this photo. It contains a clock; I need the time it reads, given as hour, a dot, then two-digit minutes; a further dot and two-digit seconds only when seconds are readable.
4.17.37
